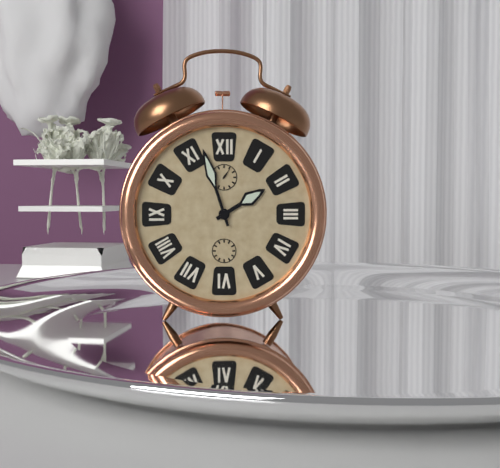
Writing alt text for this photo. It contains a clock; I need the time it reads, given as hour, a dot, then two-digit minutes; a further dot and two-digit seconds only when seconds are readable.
1.57
